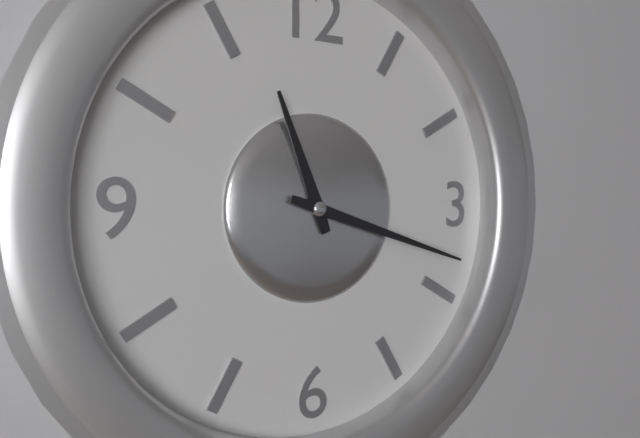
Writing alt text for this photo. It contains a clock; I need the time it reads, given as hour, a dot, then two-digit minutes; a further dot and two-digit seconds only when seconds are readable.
11.18
